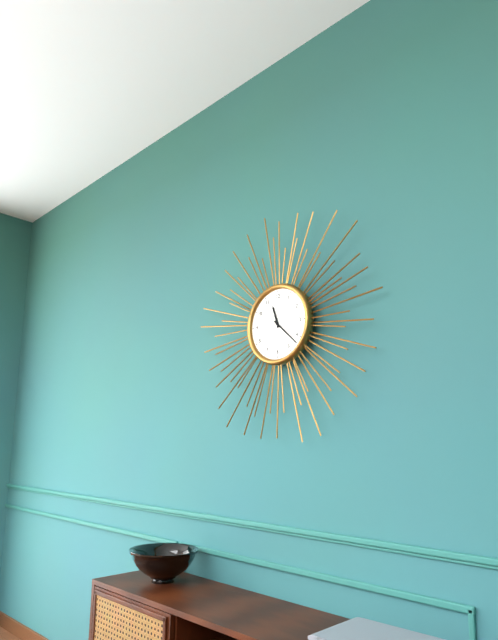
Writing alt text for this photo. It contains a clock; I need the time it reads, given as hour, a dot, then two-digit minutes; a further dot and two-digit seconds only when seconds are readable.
11.22
